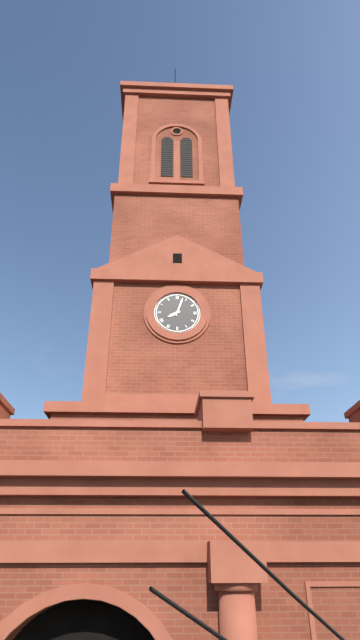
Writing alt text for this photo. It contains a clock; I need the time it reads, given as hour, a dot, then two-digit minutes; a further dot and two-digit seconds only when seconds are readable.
8.03
